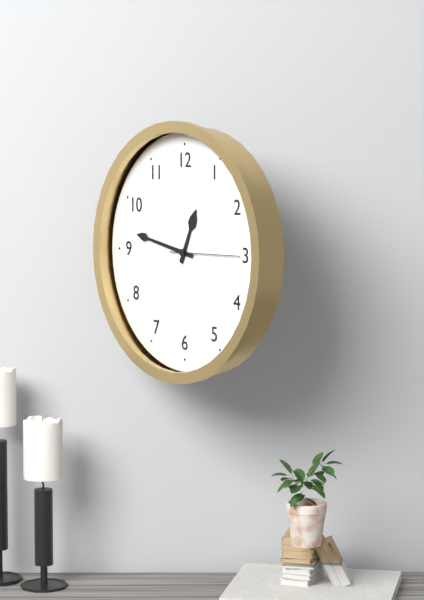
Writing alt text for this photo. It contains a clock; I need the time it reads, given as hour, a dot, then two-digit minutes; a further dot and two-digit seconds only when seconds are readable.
12.47.15
